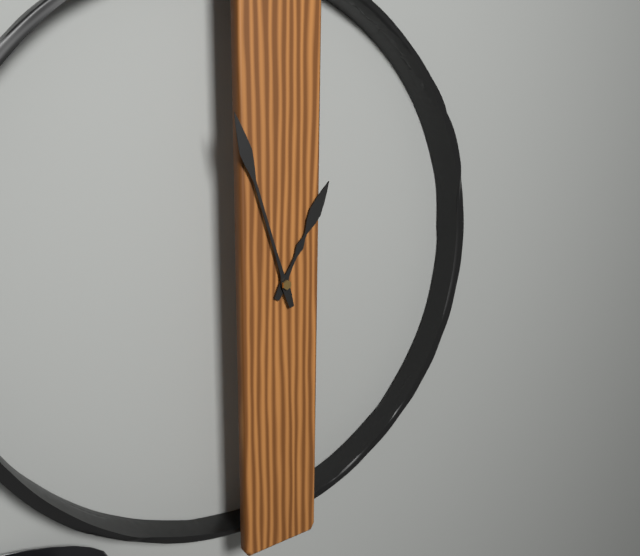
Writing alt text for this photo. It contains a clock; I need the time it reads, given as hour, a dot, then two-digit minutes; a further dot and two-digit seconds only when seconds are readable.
12.57
